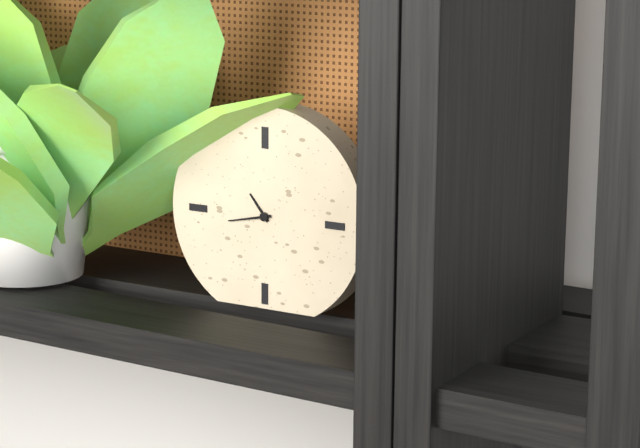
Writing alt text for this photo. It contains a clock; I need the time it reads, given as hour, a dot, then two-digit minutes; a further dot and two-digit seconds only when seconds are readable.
10.43
